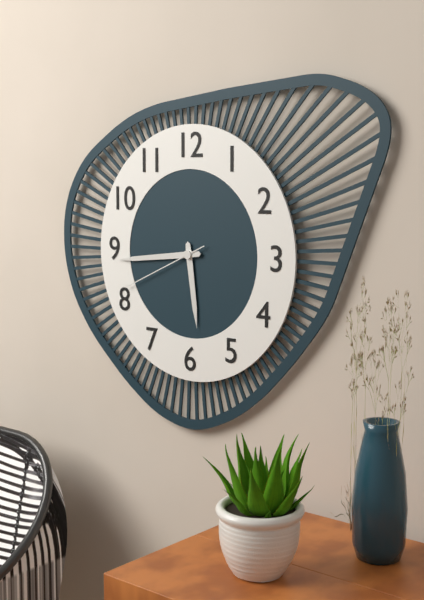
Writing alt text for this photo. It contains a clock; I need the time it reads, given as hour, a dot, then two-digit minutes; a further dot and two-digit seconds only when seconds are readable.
5.44.41
